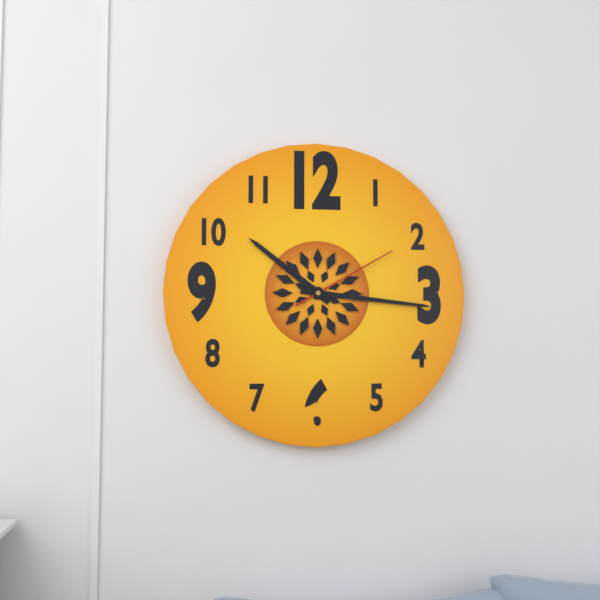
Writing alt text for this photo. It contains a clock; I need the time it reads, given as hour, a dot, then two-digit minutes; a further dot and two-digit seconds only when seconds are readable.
10.16.10
